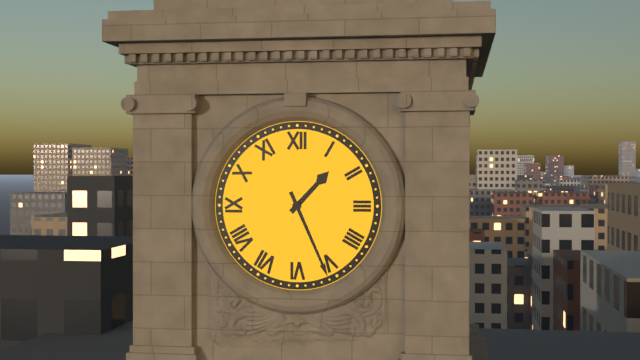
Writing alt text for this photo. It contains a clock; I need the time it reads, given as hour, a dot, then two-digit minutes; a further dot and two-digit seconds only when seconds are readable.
1.26
